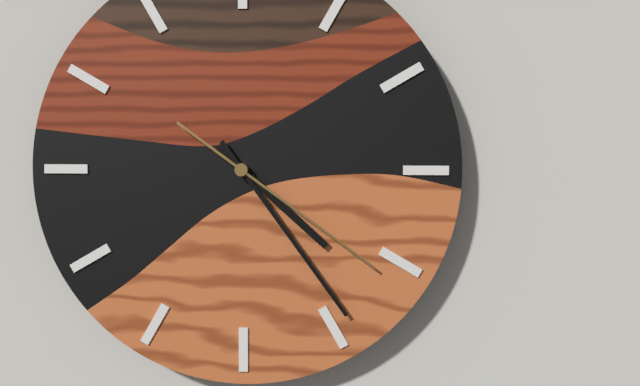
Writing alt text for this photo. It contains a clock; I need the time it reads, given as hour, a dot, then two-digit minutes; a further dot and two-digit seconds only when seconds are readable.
4.24.21
